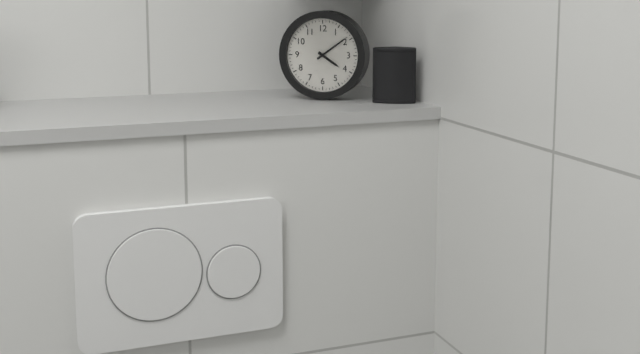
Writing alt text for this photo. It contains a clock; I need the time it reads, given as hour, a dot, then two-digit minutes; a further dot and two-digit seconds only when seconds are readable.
4.09
